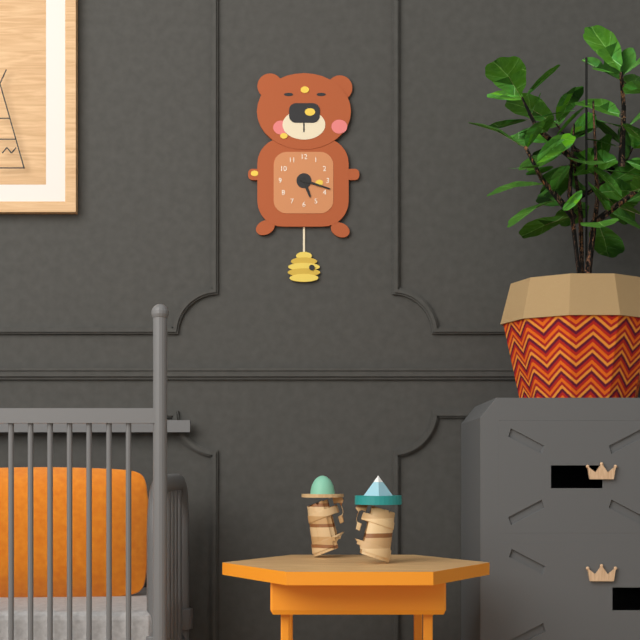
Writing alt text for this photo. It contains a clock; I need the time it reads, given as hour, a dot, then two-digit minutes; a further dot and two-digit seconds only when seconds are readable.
5.18
